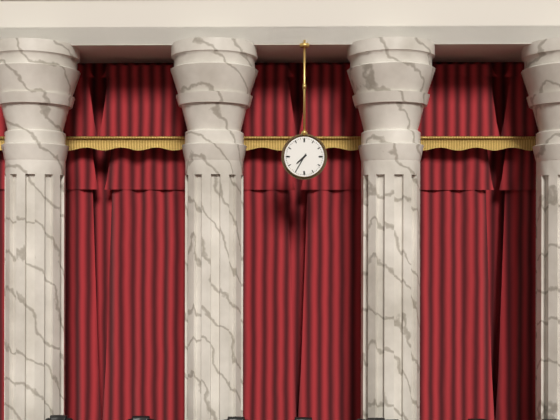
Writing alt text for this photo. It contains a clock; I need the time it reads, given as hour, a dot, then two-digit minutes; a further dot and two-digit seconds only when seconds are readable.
7.35
